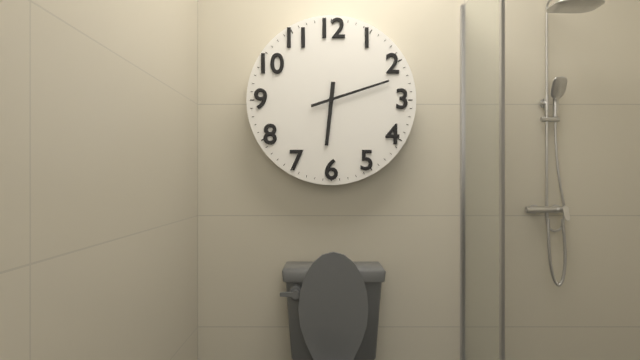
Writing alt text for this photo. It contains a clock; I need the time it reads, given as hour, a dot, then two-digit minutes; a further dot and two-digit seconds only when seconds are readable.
6.12
